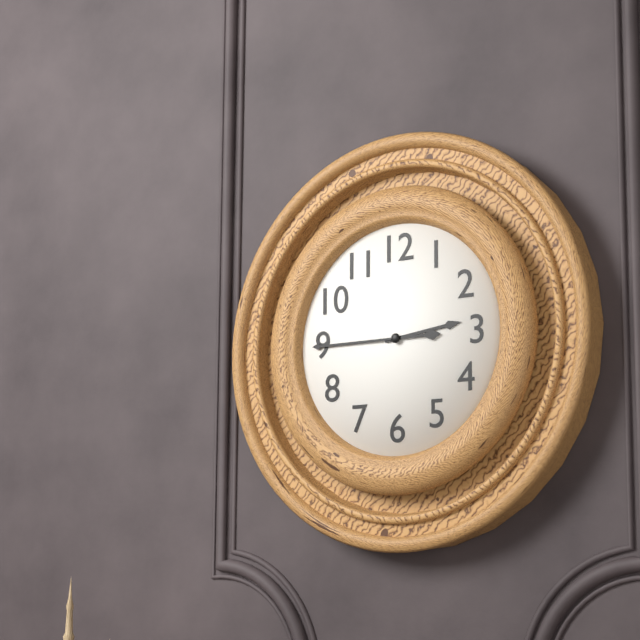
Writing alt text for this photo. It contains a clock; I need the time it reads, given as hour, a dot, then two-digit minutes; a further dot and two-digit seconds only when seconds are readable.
2.45
